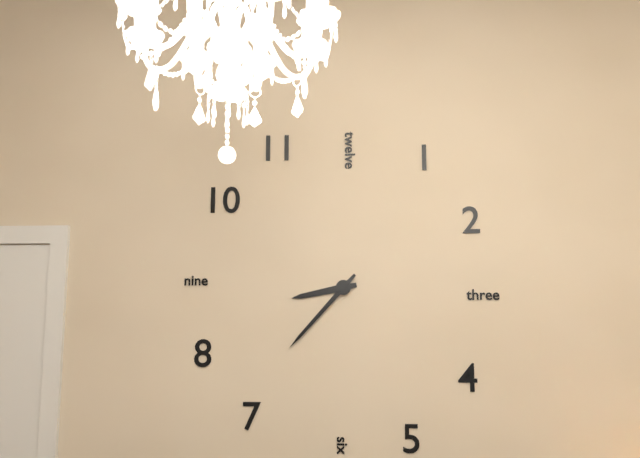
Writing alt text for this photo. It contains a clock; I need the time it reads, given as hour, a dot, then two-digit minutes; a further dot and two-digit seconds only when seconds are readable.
8.37
